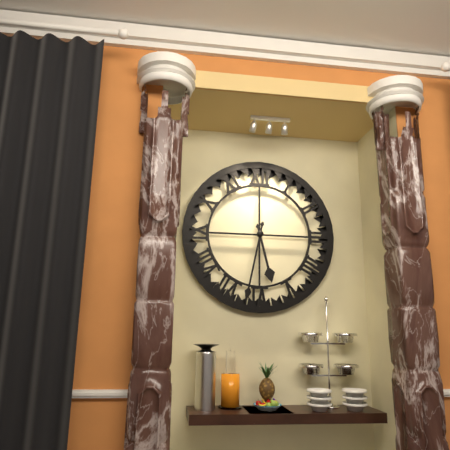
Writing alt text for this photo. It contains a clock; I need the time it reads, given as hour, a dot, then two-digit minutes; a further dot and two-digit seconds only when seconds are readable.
5.32
